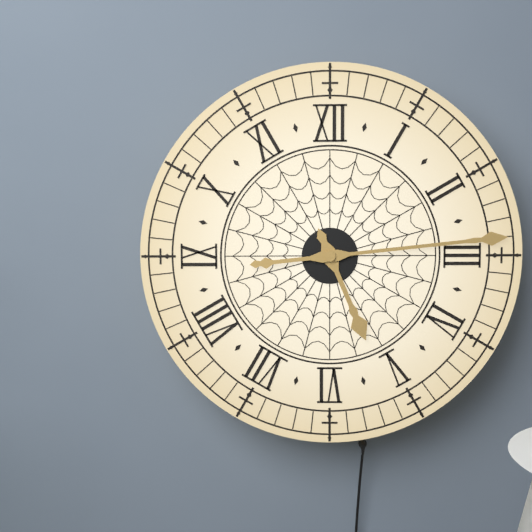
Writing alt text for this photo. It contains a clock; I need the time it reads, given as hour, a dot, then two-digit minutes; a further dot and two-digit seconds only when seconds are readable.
5.14
